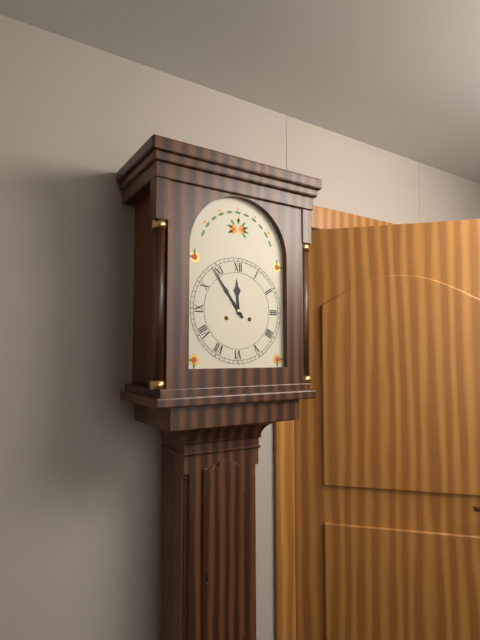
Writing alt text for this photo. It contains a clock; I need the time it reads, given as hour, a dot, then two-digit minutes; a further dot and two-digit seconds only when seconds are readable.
11.54
